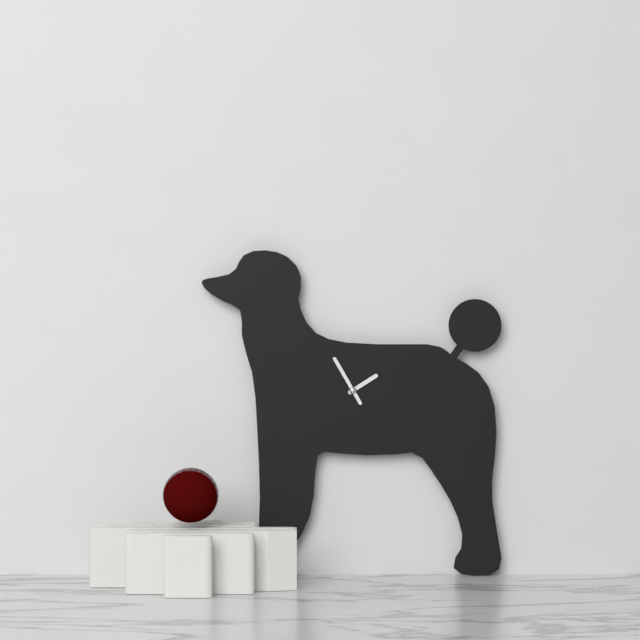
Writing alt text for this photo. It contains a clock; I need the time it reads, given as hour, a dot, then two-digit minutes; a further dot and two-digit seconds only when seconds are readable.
1.55
